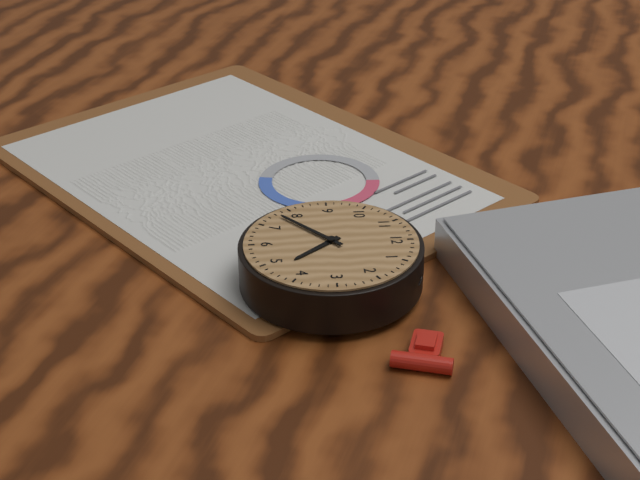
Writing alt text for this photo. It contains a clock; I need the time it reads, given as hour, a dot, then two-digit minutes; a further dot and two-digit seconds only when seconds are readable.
4.38
